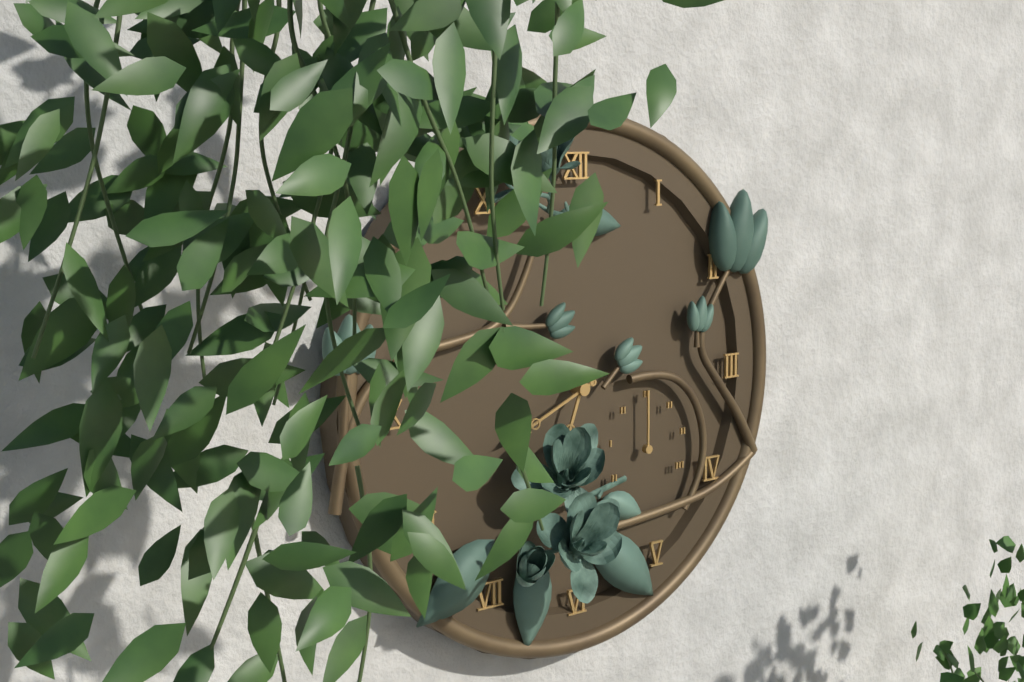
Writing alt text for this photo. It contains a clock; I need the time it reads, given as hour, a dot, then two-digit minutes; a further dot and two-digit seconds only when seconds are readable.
6.41
